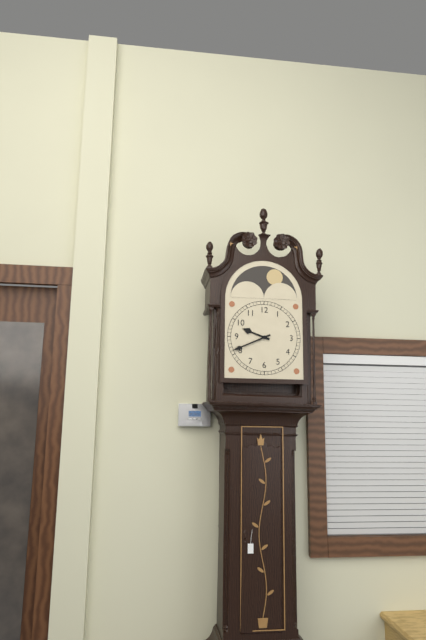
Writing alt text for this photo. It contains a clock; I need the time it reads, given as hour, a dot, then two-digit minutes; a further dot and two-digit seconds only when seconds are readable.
9.41
